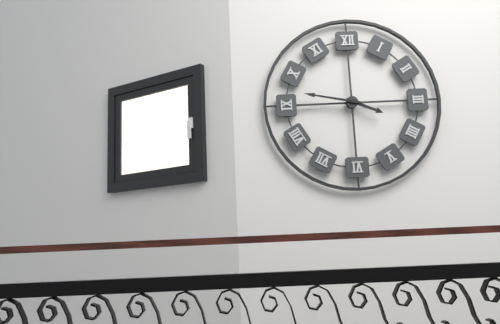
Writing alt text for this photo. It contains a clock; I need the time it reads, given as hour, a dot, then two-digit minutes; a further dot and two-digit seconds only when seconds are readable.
3.47
